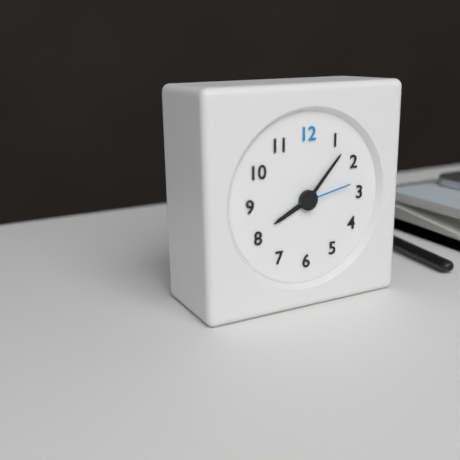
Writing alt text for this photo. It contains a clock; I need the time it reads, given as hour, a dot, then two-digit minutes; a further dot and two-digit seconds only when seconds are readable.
8.07.13
